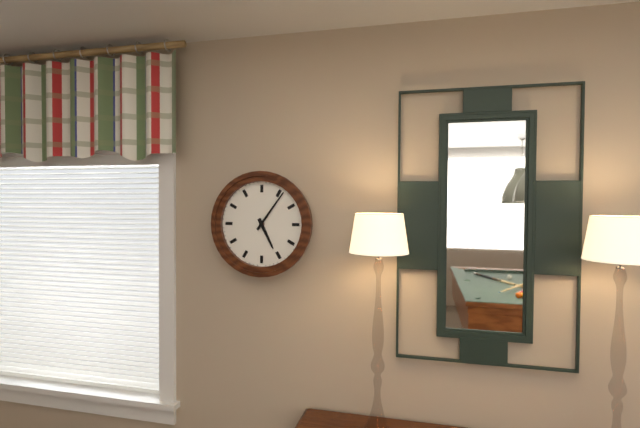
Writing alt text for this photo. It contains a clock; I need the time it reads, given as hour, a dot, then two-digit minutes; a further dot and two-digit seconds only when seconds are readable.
5.06
